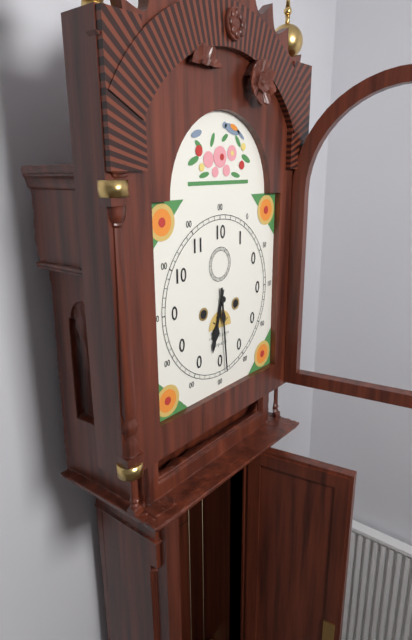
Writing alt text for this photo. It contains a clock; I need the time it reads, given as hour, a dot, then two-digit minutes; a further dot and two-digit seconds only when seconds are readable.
6.29
